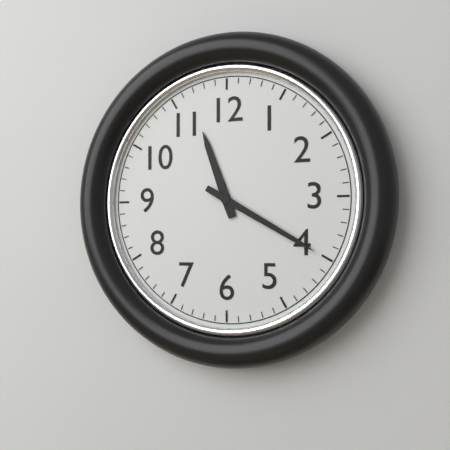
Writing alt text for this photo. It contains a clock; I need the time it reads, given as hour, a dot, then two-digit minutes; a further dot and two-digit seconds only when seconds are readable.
11.20
